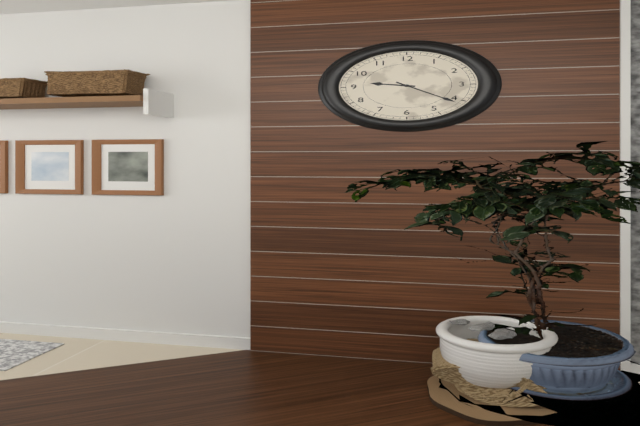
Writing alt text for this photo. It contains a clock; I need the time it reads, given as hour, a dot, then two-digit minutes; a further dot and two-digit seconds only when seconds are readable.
9.21
